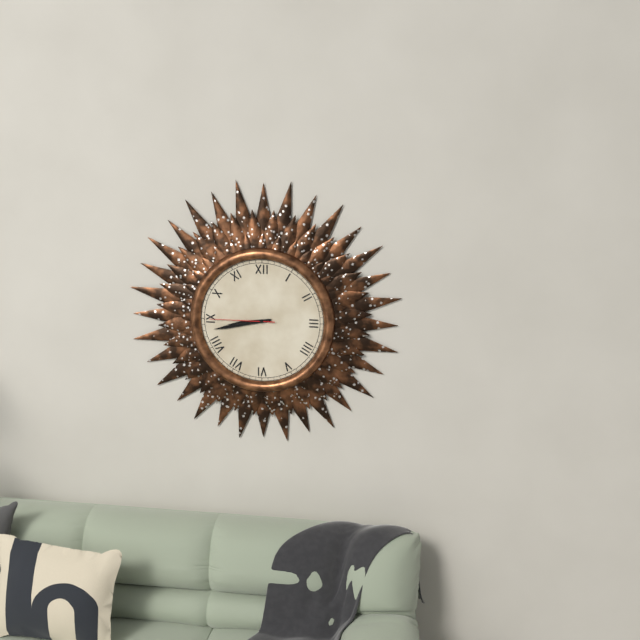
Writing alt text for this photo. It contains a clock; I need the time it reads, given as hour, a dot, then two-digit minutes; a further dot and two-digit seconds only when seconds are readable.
8.43.45
